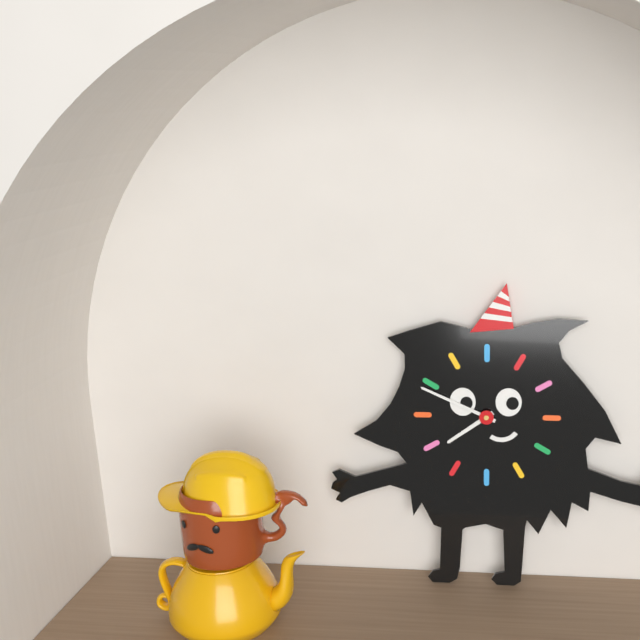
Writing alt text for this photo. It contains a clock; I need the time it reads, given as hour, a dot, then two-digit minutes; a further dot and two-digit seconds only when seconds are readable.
7.49
